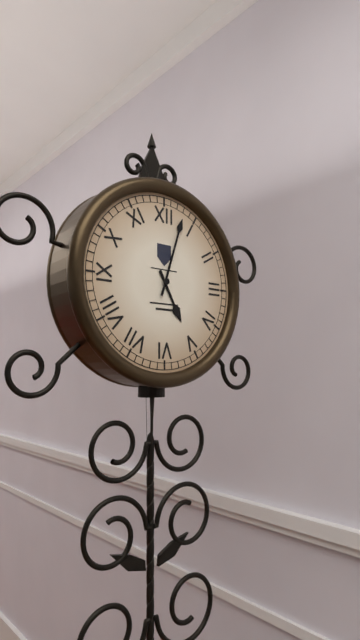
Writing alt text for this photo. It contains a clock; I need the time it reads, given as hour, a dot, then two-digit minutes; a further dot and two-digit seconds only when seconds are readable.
5.03
